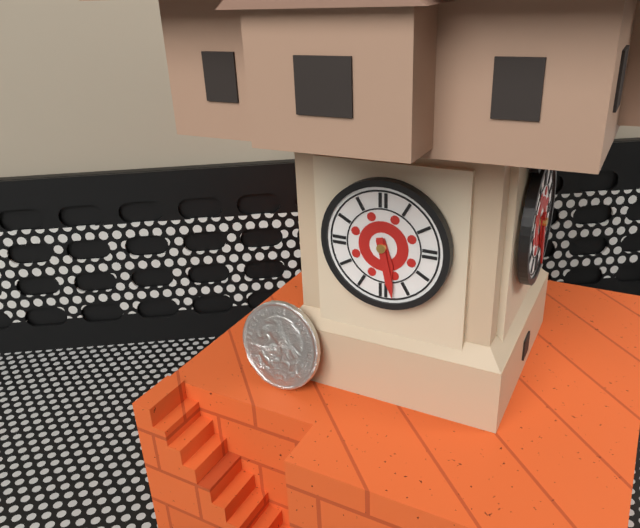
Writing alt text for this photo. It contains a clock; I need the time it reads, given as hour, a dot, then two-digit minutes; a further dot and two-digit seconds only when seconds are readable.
5.28
